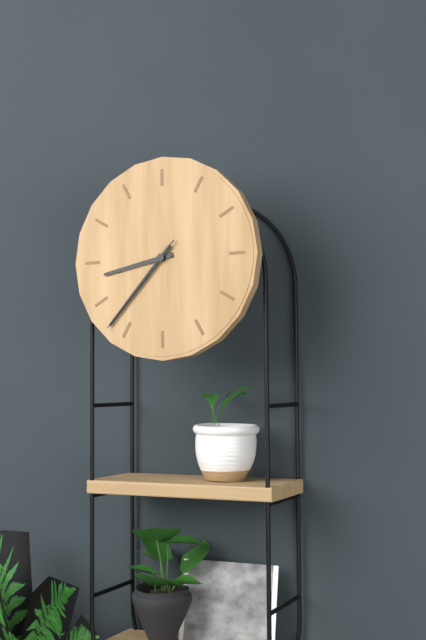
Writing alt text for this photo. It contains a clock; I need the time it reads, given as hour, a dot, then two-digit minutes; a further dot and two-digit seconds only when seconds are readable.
8.37.37
